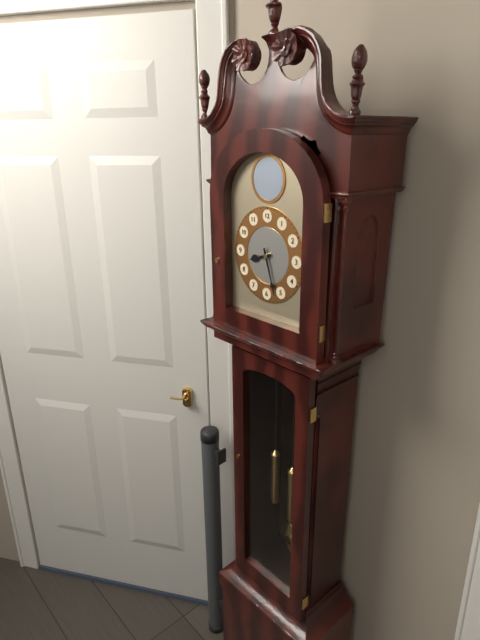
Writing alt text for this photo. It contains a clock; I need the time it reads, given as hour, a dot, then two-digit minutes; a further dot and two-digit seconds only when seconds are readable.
8.27
